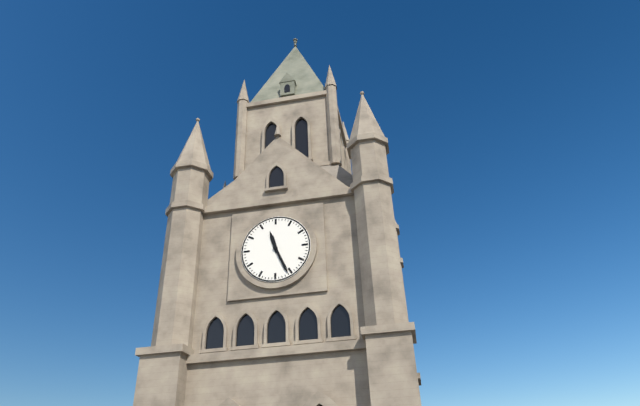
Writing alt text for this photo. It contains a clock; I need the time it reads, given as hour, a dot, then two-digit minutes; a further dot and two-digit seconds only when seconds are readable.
11.26
